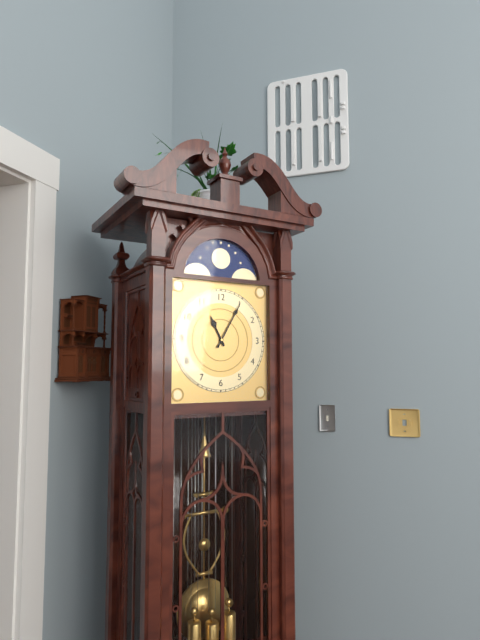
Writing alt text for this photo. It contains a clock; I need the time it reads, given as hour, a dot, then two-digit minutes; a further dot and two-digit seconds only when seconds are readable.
11.05
